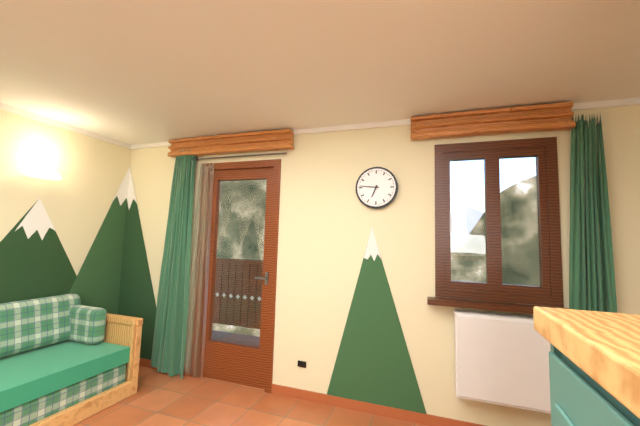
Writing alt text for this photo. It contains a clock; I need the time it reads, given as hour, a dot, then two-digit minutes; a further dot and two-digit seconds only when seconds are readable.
6.46
